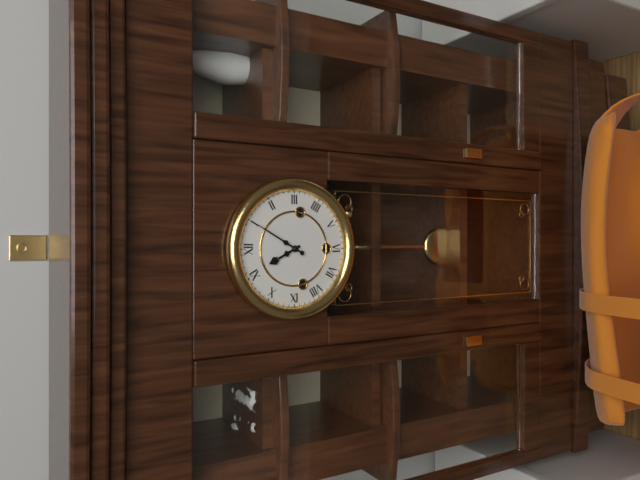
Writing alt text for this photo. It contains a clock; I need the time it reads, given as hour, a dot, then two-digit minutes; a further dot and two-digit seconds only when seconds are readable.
11.05
